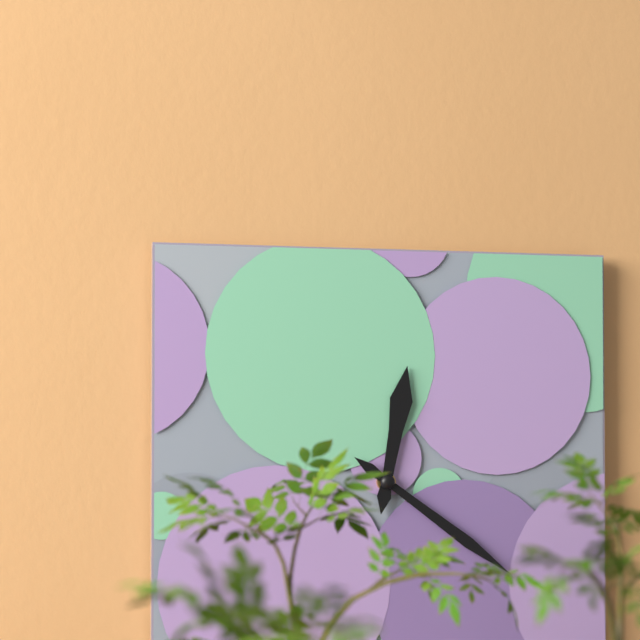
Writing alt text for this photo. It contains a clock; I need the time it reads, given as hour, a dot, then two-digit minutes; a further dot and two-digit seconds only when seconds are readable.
12.21
